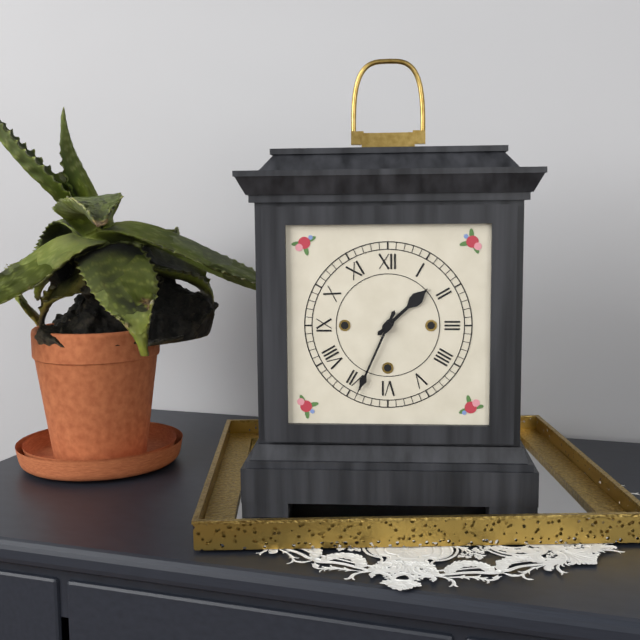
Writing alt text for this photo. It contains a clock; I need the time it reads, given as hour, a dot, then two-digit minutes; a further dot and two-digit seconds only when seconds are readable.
1.34
